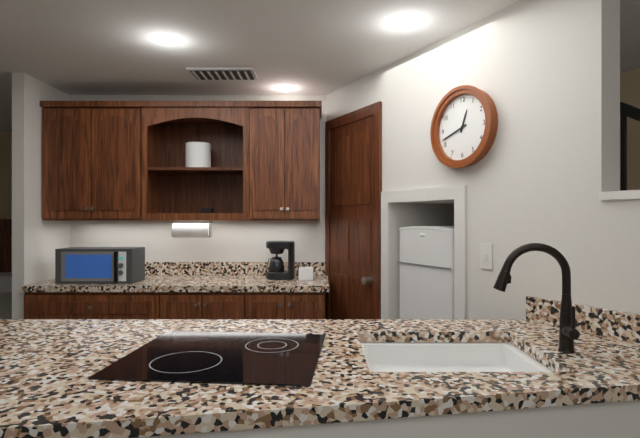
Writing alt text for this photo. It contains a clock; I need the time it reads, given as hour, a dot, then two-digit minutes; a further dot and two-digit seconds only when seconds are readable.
12.42
